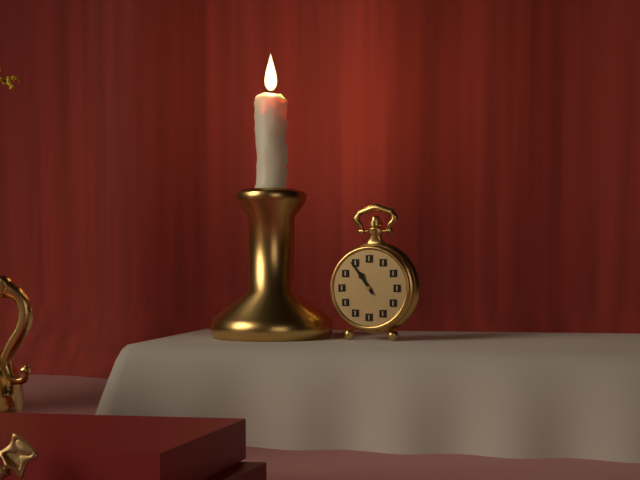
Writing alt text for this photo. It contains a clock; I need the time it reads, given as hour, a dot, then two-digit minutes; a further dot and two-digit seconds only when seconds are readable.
10.54
